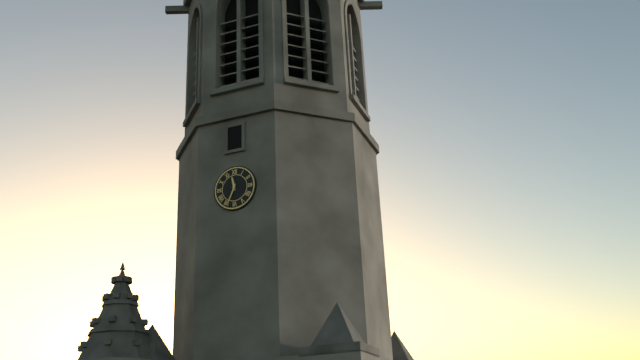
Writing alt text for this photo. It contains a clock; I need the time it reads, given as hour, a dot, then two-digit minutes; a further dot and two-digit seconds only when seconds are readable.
11.34
